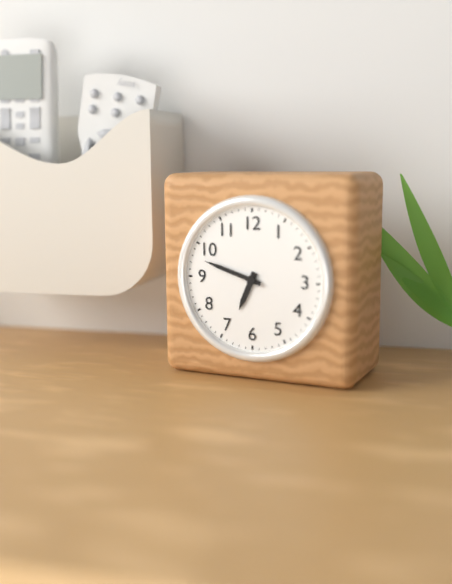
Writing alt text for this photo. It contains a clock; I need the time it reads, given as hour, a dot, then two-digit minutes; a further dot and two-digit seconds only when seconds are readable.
6.48
